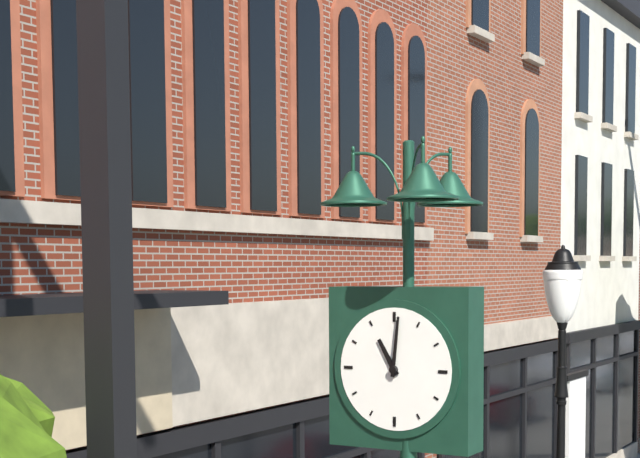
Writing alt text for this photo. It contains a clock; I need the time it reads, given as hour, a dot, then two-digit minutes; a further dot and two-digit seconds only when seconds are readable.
11.01
